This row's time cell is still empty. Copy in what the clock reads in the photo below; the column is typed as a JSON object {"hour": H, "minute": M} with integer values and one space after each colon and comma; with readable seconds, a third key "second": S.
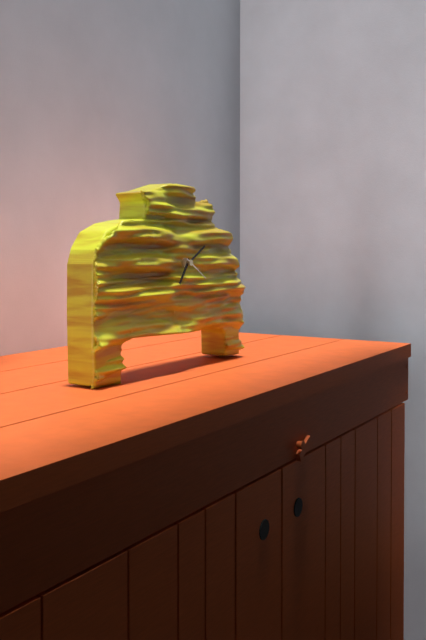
{"hour": 7, "minute": 10}
